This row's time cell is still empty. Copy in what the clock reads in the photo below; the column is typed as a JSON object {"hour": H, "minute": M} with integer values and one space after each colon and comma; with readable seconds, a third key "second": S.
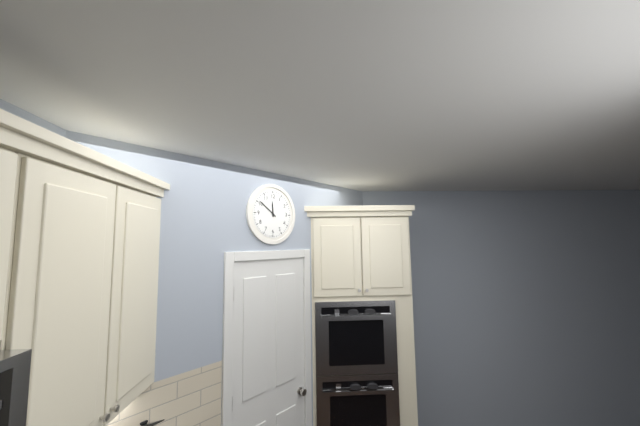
{"hour": 11, "minute": 51}
